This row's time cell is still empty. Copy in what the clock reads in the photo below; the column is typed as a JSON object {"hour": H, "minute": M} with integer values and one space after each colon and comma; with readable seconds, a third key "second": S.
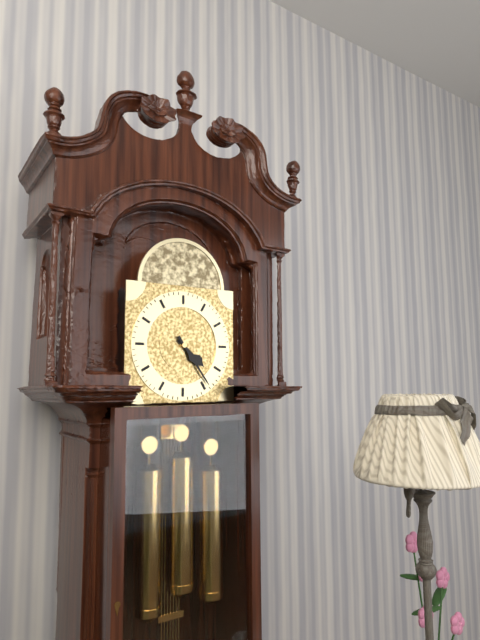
{"hour": 4, "minute": 24}
